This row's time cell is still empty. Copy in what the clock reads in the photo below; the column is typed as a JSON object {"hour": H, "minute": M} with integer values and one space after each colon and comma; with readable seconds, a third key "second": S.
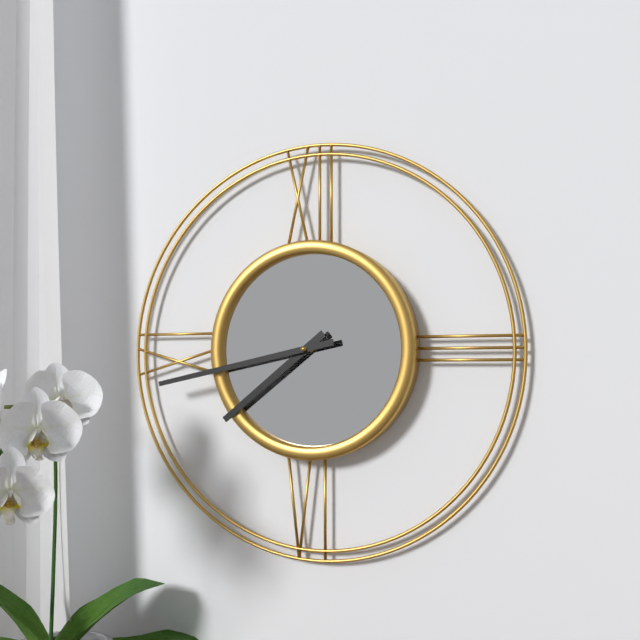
{"hour": 7, "minute": 43}
